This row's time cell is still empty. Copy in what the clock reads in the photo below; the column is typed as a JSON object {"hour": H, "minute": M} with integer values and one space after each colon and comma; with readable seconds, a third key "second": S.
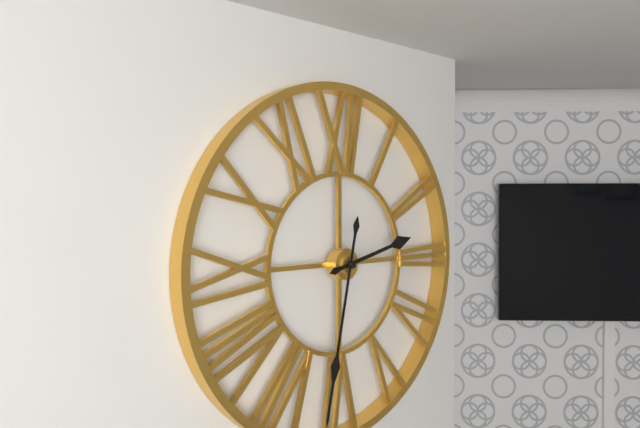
{"hour": 2, "minute": 32}
